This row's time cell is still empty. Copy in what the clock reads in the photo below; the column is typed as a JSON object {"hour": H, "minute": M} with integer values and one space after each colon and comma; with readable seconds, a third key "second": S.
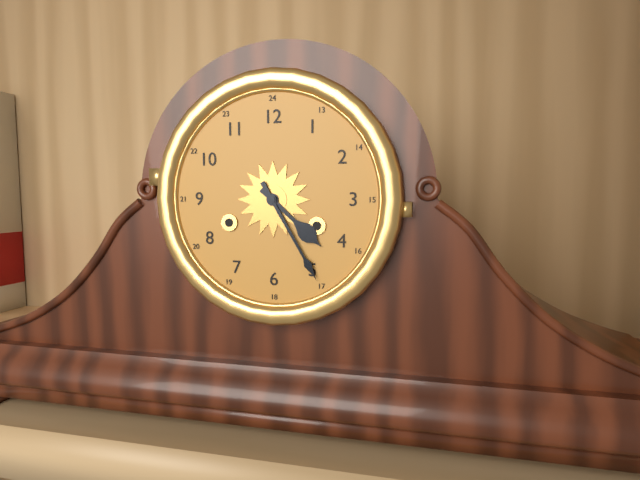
{"hour": 4, "minute": 25}
